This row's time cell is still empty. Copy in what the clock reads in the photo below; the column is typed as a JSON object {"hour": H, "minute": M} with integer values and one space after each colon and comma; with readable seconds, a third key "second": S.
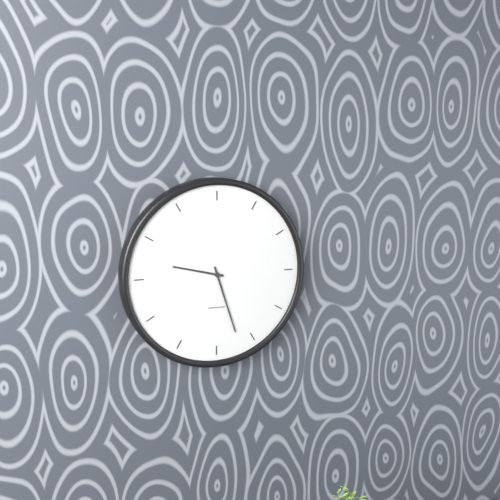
{"hour": 9, "minute": 27}
